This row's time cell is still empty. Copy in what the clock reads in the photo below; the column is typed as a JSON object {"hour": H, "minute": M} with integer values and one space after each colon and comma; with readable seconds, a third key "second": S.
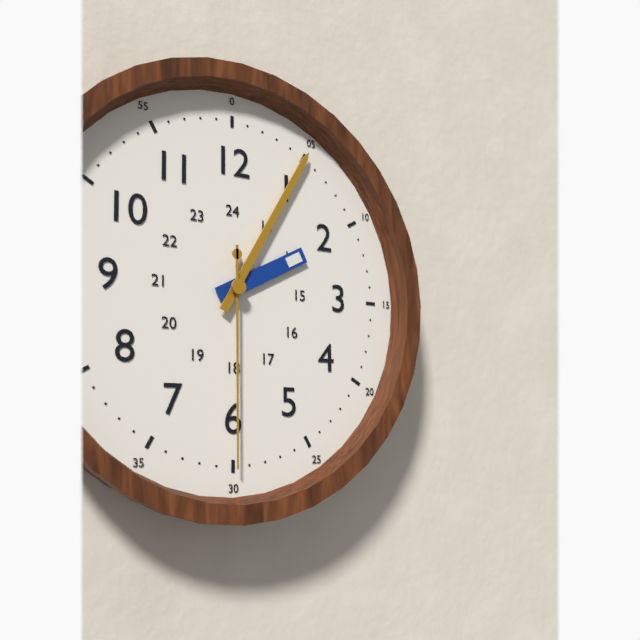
{"hour": 2, "minute": 5, "second": 30}
